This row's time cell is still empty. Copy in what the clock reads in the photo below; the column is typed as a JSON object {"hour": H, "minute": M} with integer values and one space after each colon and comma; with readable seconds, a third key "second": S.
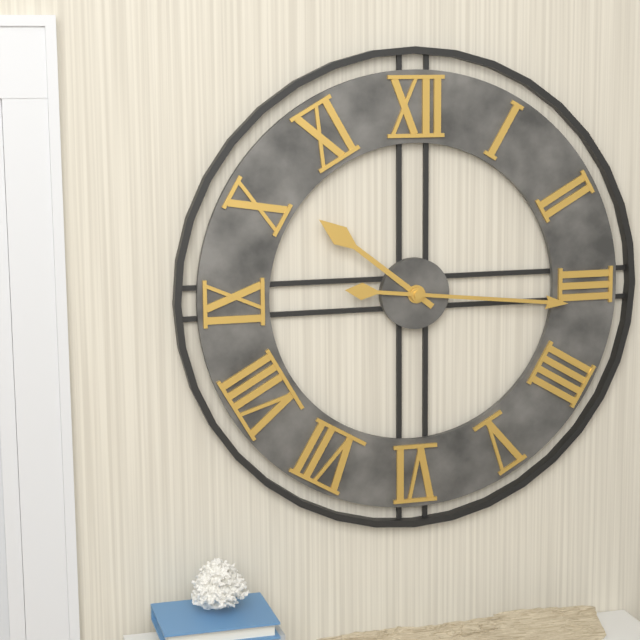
{"hour": 10, "minute": 16}
